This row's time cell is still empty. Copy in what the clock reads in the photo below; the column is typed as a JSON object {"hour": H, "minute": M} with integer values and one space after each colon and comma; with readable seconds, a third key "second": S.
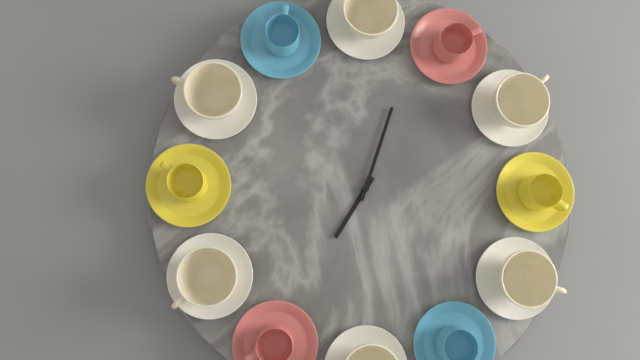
{"hour": 7, "minute": 3}
